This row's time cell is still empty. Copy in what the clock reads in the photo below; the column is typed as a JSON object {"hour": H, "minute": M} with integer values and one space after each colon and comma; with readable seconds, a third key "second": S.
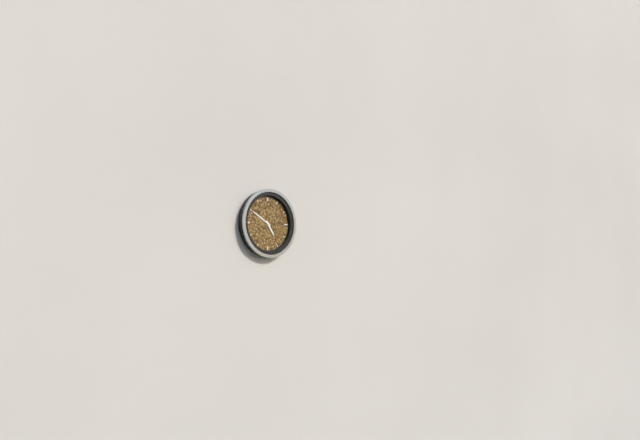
{"hour": 4, "minute": 50}
